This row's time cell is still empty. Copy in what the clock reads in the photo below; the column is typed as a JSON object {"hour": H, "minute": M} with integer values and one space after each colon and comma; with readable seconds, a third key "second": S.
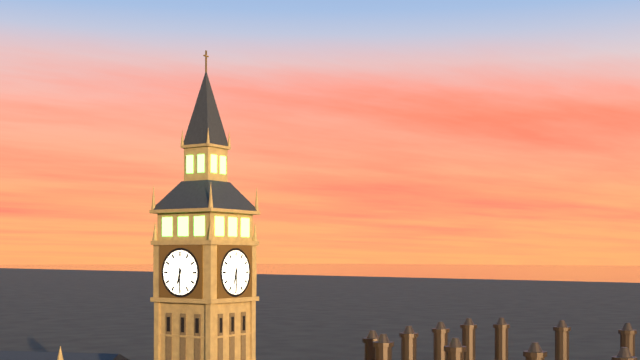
{"hour": 6, "minute": 30}
